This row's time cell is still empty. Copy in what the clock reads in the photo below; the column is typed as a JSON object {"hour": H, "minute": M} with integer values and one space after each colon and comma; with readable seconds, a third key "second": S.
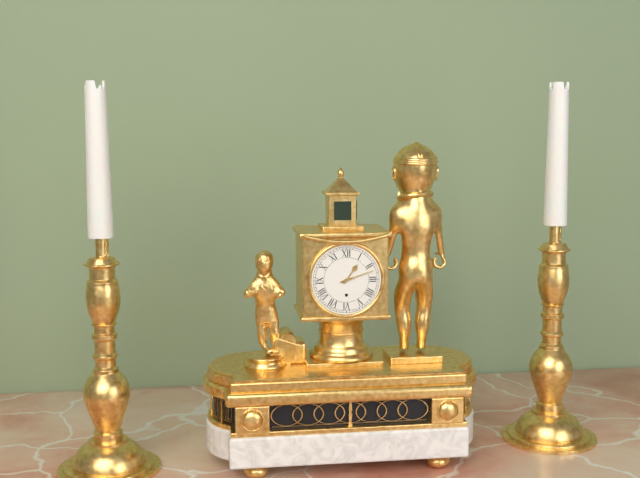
{"hour": 1, "minute": 12}
